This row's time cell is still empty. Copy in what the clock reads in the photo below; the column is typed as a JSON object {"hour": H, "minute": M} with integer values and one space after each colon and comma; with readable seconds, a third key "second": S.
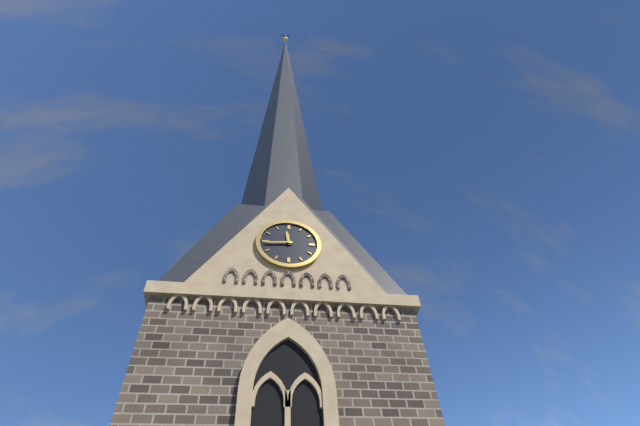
{"hour": 11, "minute": 44}
